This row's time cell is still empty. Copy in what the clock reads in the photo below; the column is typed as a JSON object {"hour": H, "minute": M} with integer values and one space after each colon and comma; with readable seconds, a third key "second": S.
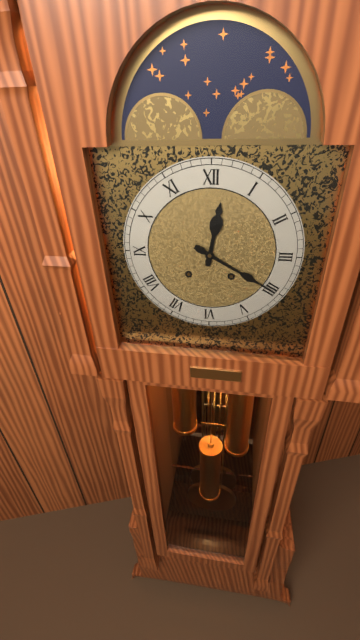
{"hour": 12, "minute": 20}
